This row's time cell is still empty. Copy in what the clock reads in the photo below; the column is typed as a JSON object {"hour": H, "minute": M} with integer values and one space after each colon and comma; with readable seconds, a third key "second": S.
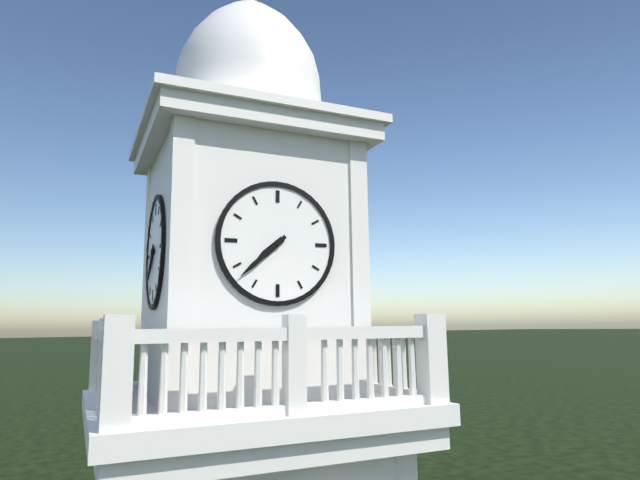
{"hour": 7, "minute": 38}
